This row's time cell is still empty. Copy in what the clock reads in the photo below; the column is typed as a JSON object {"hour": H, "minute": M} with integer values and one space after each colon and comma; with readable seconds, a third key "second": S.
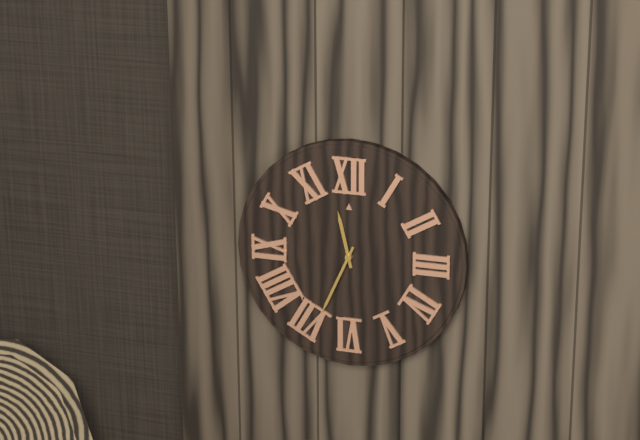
{"hour": 11, "minute": 34}
